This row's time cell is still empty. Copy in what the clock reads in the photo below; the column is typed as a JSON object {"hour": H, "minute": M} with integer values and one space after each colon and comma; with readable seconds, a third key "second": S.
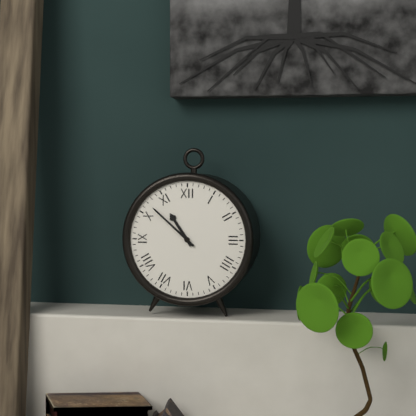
{"hour": 10, "minute": 52}
